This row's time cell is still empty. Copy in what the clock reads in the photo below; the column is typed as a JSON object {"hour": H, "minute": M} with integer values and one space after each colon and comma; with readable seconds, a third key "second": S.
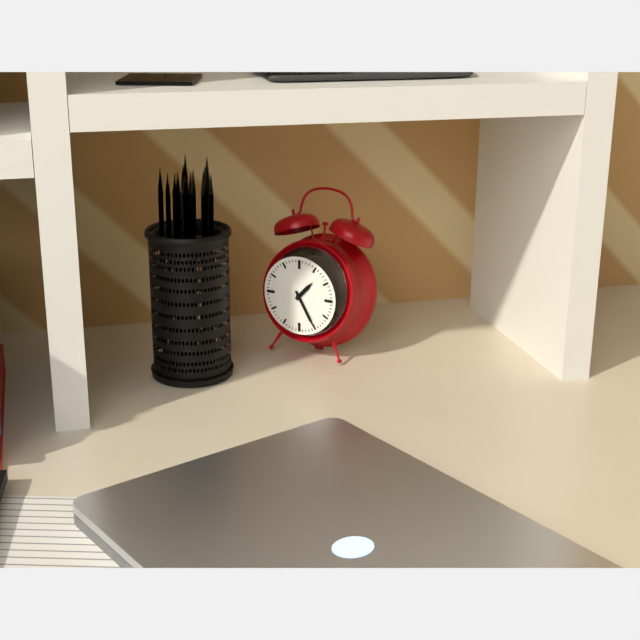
{"hour": 1, "minute": 25}
